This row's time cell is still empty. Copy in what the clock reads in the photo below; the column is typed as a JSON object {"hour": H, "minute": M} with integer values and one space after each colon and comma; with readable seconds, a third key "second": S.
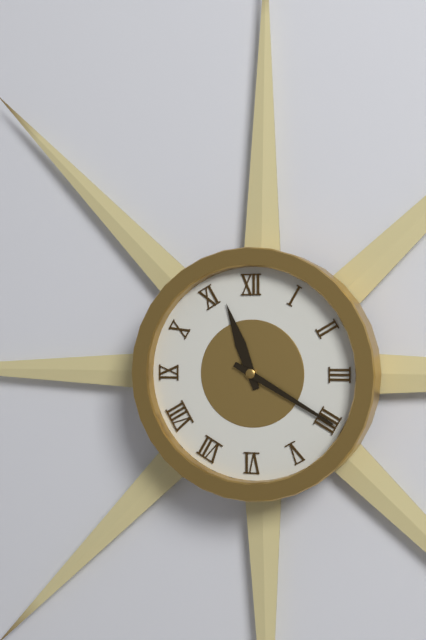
{"hour": 11, "minute": 20}
